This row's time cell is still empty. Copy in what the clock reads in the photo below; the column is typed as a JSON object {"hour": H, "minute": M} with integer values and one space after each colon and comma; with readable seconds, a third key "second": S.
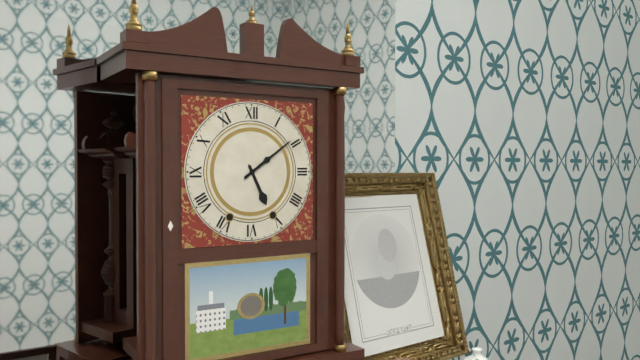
{"hour": 5, "minute": 9}
